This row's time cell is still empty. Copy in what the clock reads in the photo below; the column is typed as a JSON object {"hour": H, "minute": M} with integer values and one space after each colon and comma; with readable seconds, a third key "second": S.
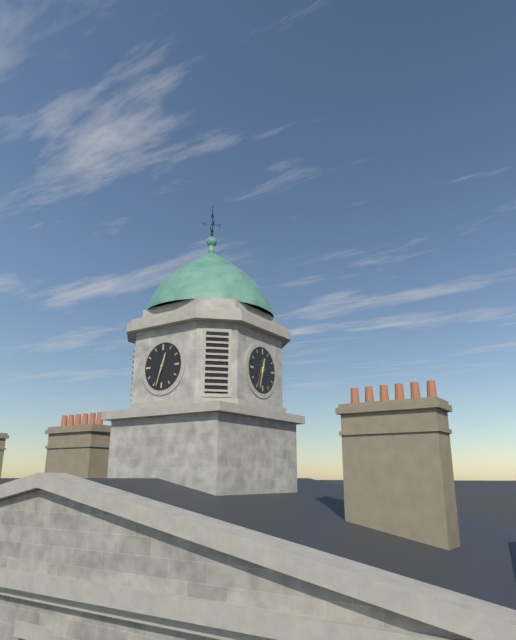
{"hour": 12, "minute": 33}
